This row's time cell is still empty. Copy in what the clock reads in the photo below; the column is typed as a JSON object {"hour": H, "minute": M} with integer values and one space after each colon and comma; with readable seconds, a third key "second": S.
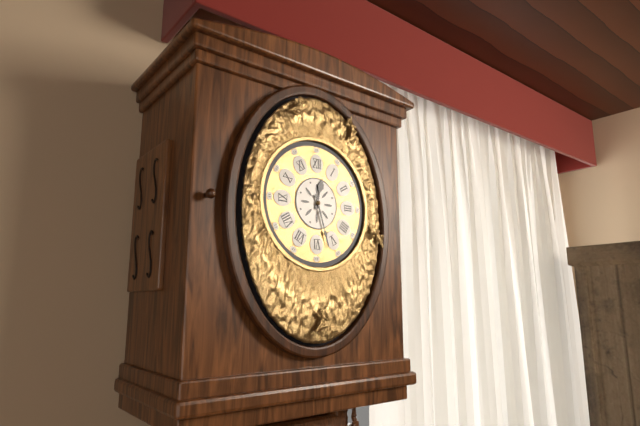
{"hour": 12, "minute": 27}
